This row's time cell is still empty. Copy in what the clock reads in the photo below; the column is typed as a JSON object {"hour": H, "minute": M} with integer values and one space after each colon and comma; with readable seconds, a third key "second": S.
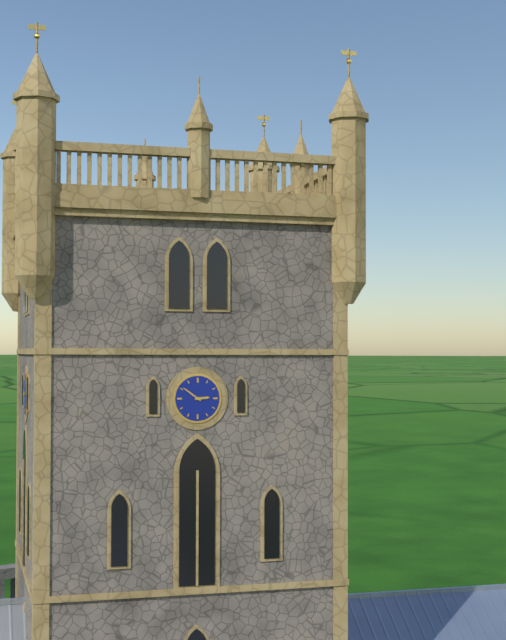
{"hour": 2, "minute": 51}
